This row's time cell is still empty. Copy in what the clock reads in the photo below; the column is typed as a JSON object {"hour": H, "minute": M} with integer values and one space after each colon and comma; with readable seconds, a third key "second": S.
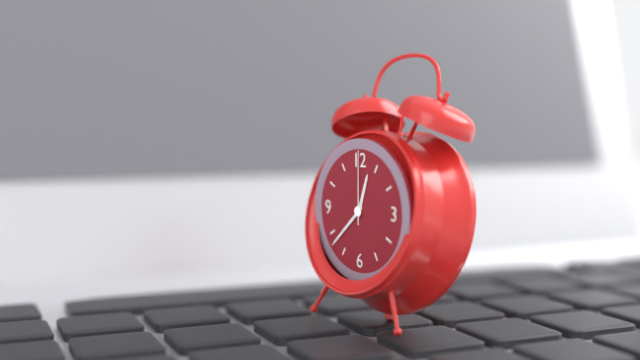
{"hour": 12, "minute": 38, "second": 0}
